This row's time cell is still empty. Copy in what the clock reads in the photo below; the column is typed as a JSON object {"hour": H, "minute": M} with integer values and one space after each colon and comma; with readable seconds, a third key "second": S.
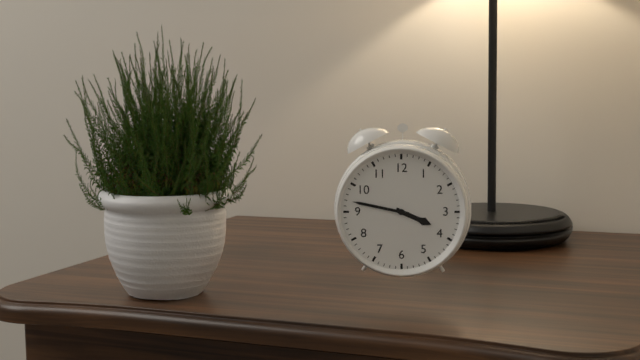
{"hour": 3, "minute": 47}
